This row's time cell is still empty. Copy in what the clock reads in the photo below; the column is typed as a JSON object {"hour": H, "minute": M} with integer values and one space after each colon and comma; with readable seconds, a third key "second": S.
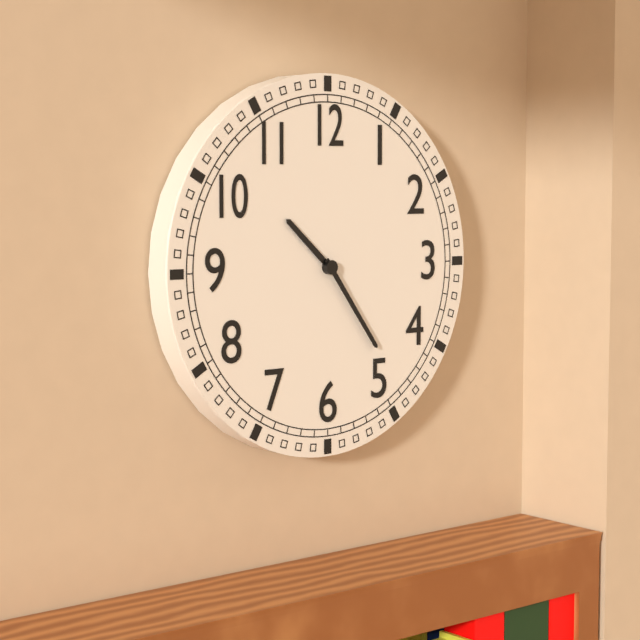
{"hour": 10, "minute": 24}
